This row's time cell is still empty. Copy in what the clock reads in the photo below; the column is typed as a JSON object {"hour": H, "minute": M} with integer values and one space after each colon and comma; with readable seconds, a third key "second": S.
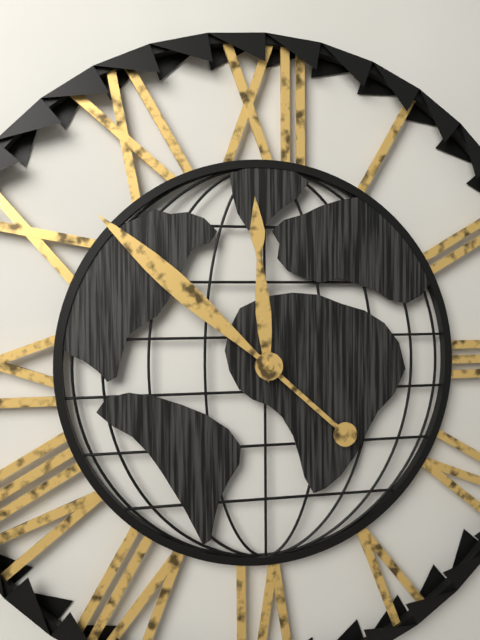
{"hour": 11, "minute": 52}
